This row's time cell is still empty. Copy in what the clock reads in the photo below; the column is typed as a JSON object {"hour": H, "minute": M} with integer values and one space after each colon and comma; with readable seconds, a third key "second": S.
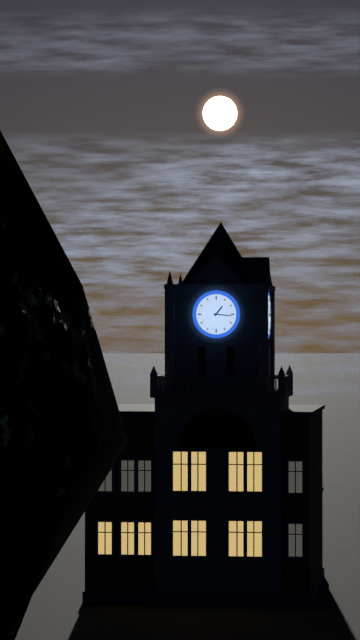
{"hour": 1, "minute": 16}
